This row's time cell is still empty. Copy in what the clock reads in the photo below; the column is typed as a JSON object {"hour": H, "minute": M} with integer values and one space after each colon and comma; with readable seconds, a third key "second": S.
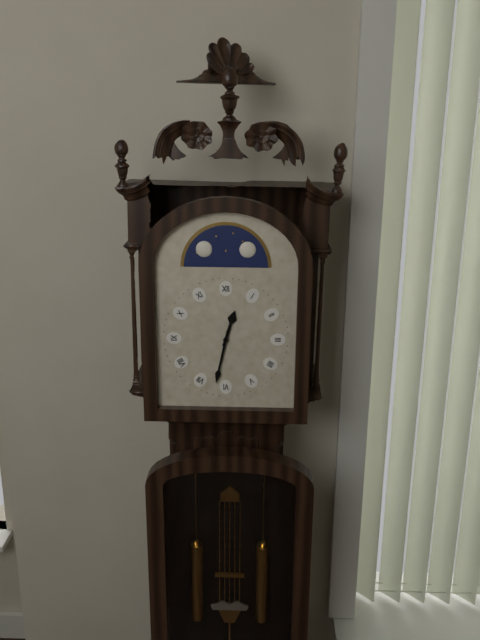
{"hour": 12, "minute": 32}
